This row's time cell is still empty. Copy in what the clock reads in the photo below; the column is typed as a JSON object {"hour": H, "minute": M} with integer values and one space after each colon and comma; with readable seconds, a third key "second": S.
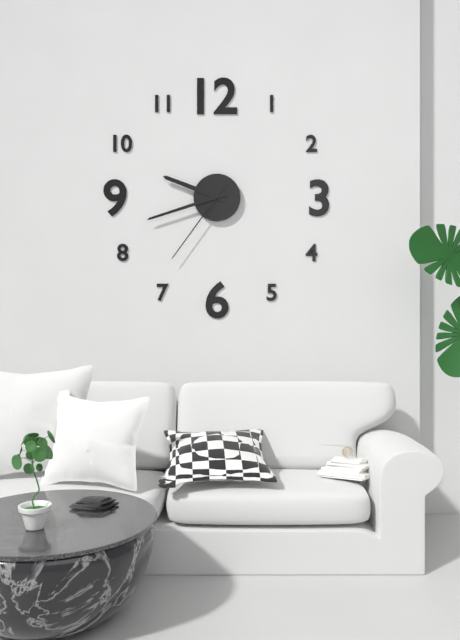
{"hour": 9, "minute": 42, "second": 36}
